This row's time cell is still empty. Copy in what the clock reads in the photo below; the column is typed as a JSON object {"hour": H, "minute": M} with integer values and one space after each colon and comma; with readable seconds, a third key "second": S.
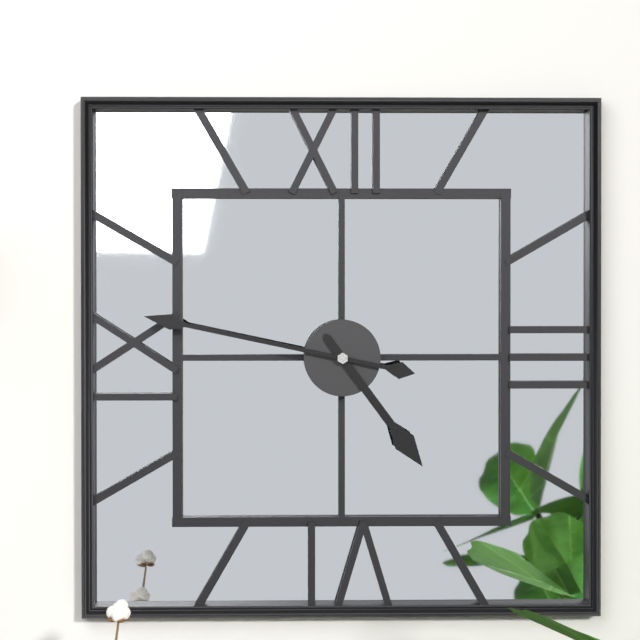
{"hour": 4, "minute": 47}
